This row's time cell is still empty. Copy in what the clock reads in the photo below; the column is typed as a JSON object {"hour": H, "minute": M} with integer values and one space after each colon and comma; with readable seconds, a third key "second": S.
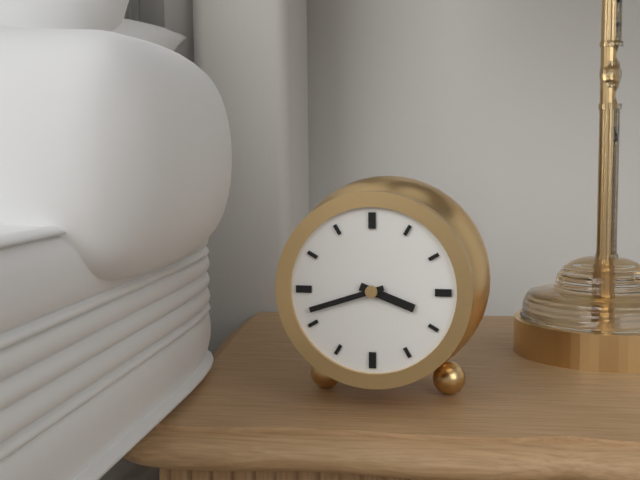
{"hour": 3, "minute": 42}
